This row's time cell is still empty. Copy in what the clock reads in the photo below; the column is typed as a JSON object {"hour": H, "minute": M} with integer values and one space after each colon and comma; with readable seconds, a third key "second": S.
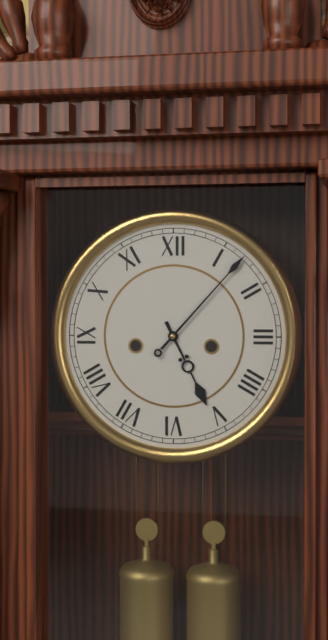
{"hour": 5, "minute": 7}
